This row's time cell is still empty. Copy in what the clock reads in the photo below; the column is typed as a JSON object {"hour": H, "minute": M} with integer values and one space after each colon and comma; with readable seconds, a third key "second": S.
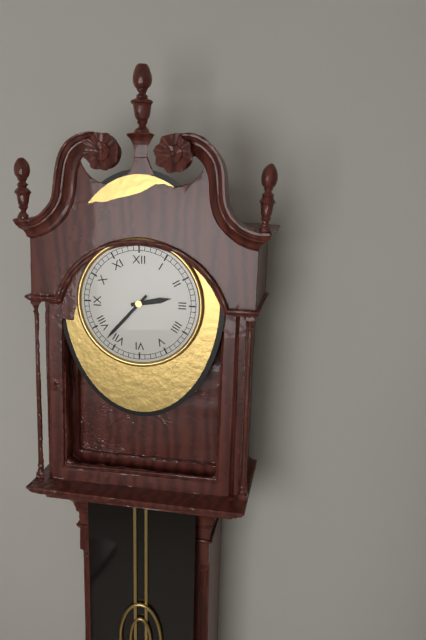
{"hour": 2, "minute": 37}
